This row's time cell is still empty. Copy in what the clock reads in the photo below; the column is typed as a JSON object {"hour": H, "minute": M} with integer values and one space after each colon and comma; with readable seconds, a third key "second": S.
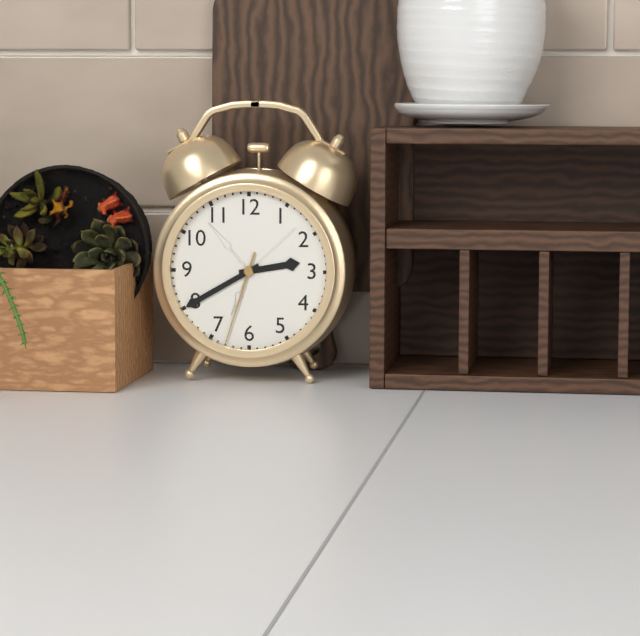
{"hour": 2, "minute": 40, "second": 33}
